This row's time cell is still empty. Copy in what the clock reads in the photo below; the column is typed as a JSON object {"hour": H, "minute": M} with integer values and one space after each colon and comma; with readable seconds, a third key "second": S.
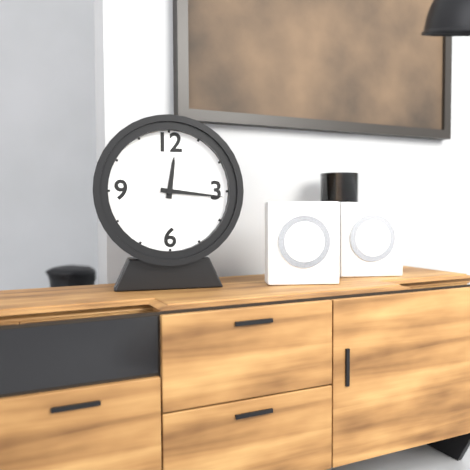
{"hour": 12, "minute": 16}
